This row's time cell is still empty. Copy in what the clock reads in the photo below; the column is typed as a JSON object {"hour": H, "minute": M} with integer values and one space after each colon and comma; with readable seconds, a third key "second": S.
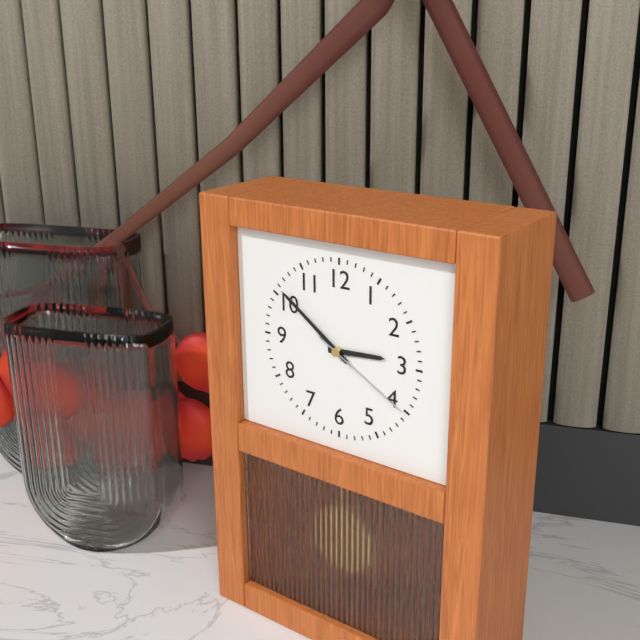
{"hour": 2, "minute": 51, "second": 20}
